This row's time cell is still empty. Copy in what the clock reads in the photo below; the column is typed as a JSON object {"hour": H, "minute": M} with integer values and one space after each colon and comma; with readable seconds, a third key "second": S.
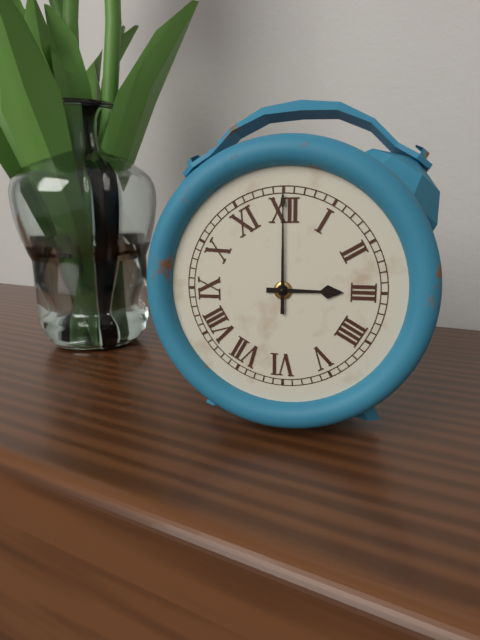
{"hour": 3, "minute": 0}
